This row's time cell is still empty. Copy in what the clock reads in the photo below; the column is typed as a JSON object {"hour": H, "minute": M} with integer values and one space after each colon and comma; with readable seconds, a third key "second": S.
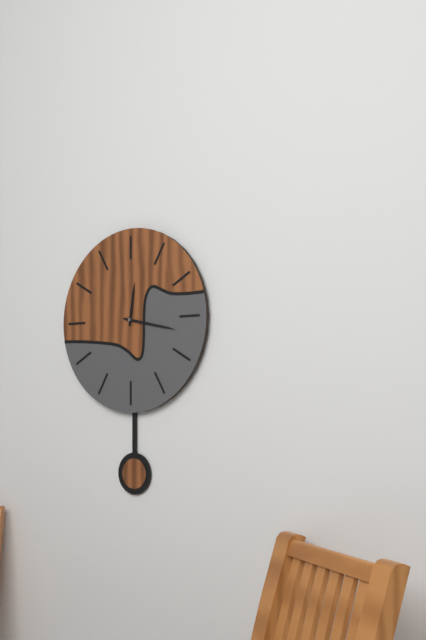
{"hour": 12, "minute": 17}
